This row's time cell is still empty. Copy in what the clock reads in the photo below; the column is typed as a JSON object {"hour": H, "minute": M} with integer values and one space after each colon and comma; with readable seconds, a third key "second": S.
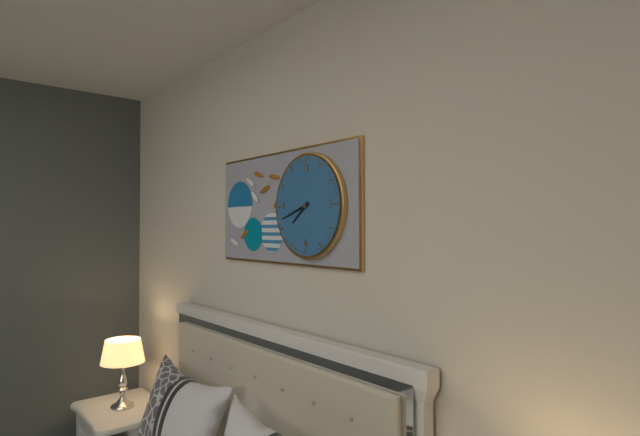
{"hour": 7, "minute": 42}
